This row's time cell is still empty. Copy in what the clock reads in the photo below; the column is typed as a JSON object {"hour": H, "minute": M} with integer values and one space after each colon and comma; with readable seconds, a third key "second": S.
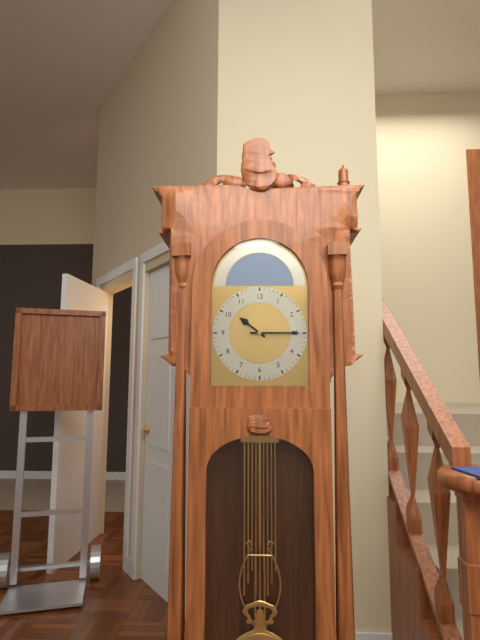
{"hour": 10, "minute": 15}
